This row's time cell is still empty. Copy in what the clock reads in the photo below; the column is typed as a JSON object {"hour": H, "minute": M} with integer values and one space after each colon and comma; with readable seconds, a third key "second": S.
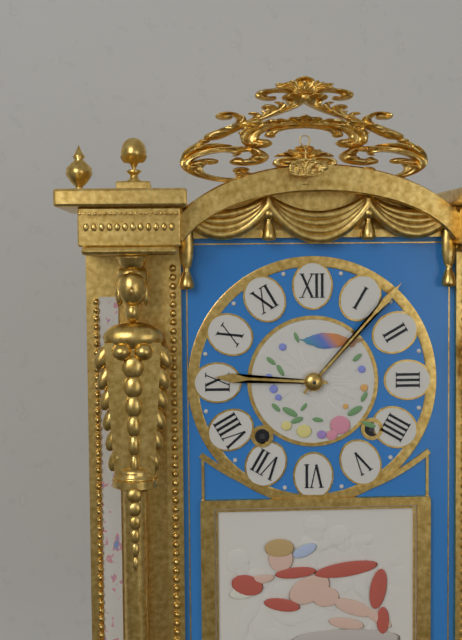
{"hour": 9, "minute": 7}
